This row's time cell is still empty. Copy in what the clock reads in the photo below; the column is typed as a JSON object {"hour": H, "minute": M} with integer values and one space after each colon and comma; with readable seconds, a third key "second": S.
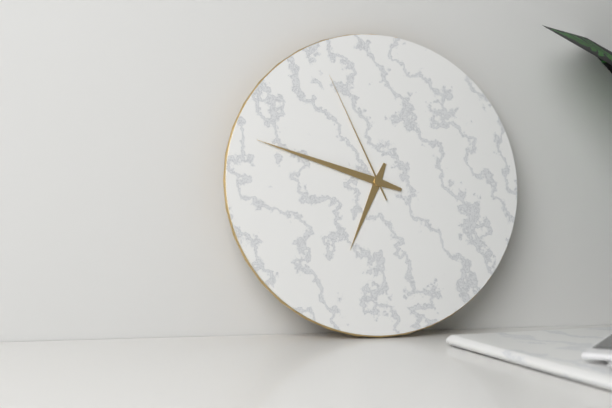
{"hour": 6, "minute": 48, "second": 56}
